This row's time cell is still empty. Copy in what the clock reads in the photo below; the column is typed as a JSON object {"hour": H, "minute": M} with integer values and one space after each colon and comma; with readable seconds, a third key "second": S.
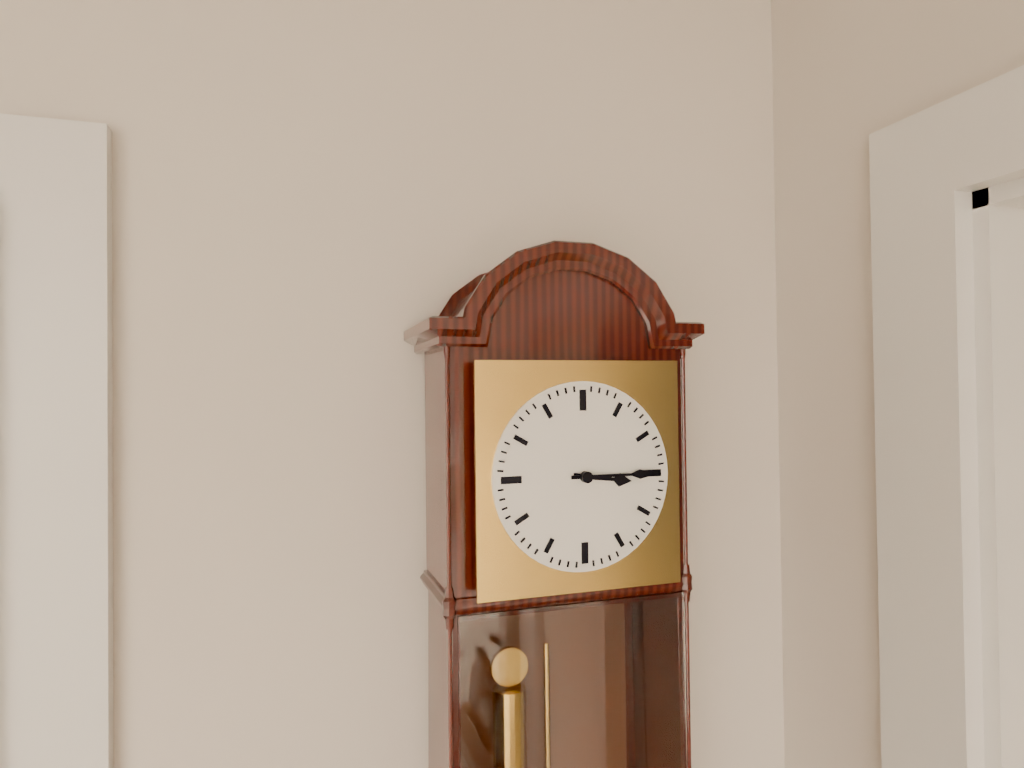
{"hour": 3, "minute": 15}
